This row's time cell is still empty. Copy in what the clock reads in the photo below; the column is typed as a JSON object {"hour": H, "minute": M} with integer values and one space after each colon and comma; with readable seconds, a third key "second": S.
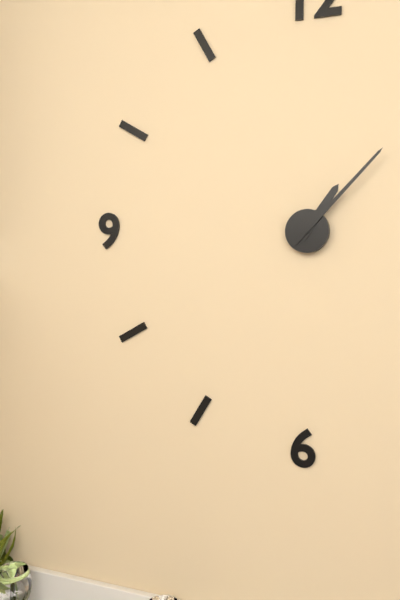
{"hour": 1, "minute": 7}
